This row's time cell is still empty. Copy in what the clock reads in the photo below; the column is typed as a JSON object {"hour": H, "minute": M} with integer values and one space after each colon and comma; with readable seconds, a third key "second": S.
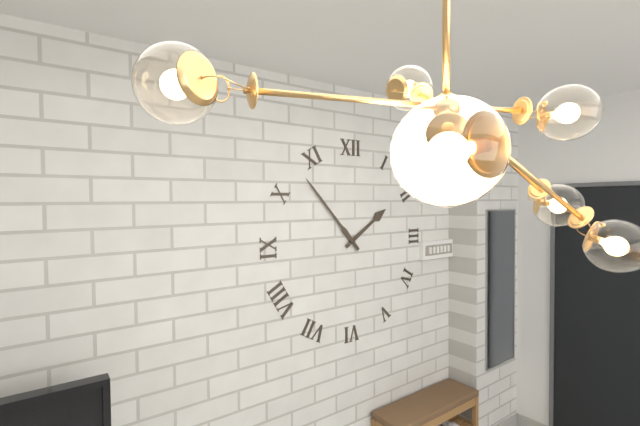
{"hour": 1, "minute": 53}
